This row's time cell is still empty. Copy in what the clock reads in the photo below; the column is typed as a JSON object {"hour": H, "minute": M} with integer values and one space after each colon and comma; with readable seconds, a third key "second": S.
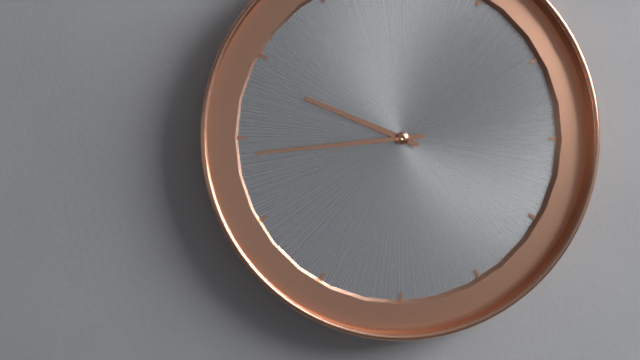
{"hour": 9, "minute": 44}
